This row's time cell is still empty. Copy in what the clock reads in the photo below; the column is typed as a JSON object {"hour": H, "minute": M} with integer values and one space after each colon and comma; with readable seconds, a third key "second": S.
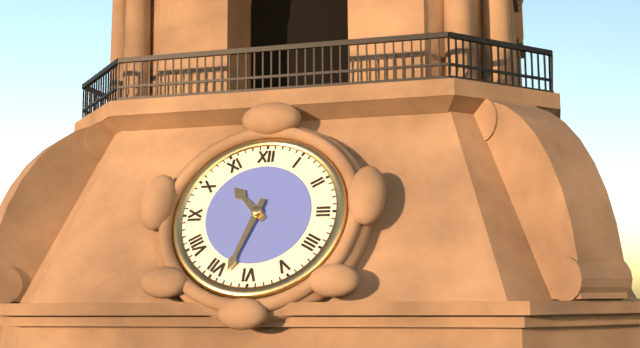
{"hour": 10, "minute": 33}
